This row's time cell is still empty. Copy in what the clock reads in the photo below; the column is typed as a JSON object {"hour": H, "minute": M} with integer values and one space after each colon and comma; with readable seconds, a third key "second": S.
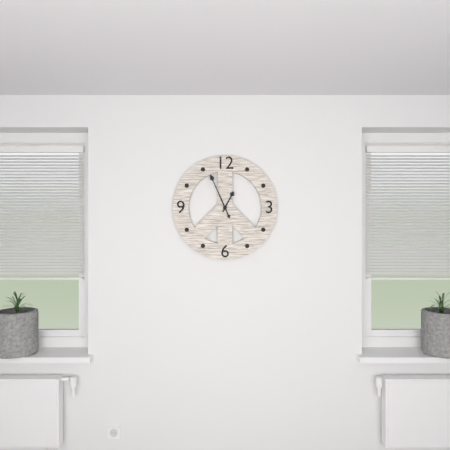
{"hour": 12, "minute": 56}
